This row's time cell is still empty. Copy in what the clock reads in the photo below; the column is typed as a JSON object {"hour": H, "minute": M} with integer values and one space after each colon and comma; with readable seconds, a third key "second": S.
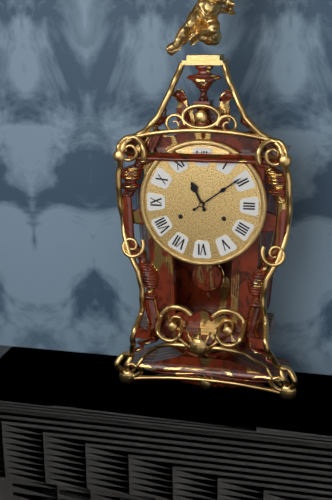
{"hour": 11, "minute": 9}
